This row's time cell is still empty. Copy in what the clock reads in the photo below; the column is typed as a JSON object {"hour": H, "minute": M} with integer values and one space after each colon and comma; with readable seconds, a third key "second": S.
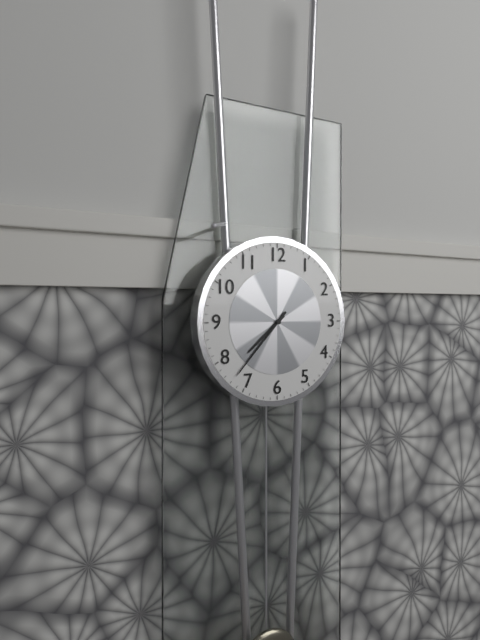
{"hour": 7, "minute": 37}
